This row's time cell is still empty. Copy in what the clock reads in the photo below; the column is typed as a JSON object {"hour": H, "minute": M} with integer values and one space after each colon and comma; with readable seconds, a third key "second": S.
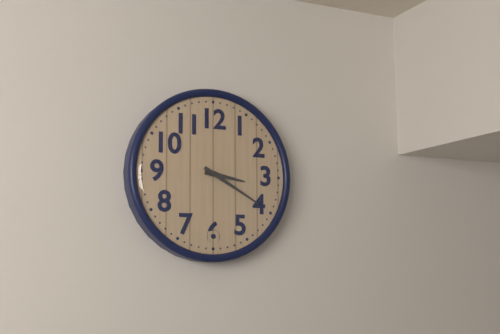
{"hour": 3, "minute": 20}
